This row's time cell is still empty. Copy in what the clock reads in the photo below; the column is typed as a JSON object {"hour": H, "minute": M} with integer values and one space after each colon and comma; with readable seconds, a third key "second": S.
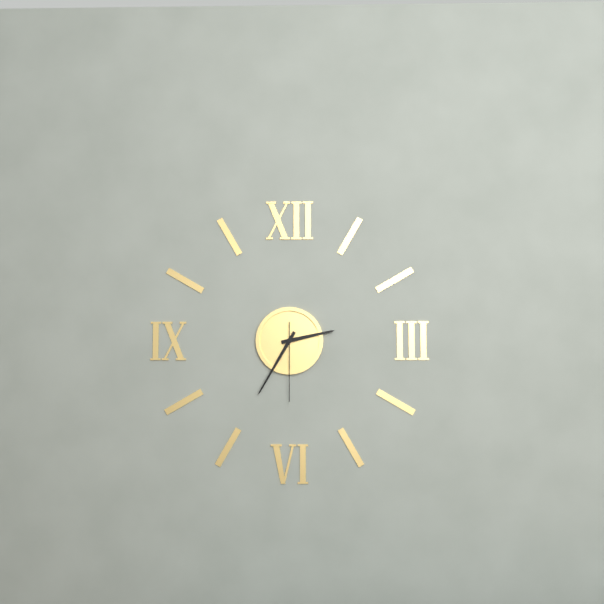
{"hour": 2, "minute": 35, "second": 30}
